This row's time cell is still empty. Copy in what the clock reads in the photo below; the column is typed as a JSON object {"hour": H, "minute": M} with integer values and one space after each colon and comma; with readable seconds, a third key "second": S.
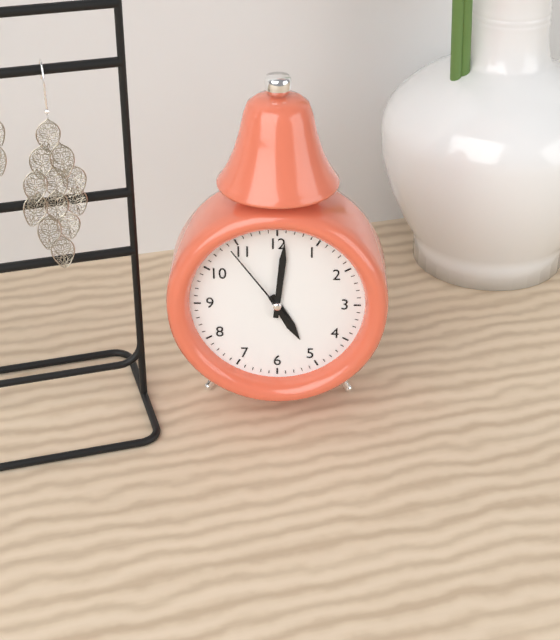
{"hour": 5, "minute": 1, "second": 54}
